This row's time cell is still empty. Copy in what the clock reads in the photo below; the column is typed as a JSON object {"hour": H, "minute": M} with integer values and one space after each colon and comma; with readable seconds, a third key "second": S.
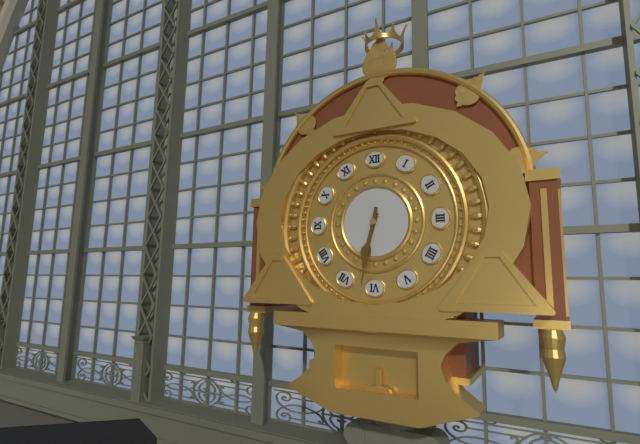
{"hour": 6, "minute": 32}
